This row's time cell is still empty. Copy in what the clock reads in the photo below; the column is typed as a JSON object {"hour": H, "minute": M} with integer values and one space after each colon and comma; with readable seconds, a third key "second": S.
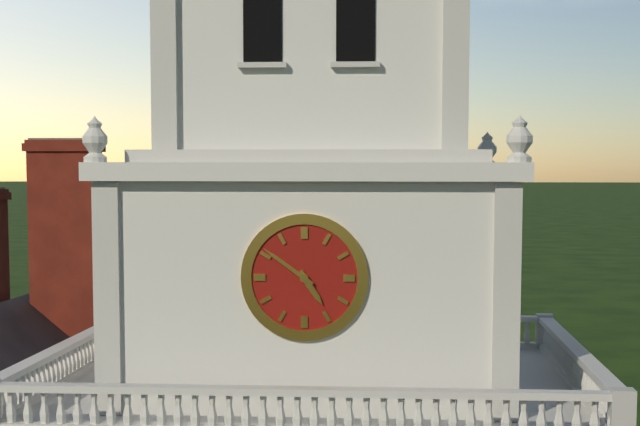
{"hour": 4, "minute": 51}
